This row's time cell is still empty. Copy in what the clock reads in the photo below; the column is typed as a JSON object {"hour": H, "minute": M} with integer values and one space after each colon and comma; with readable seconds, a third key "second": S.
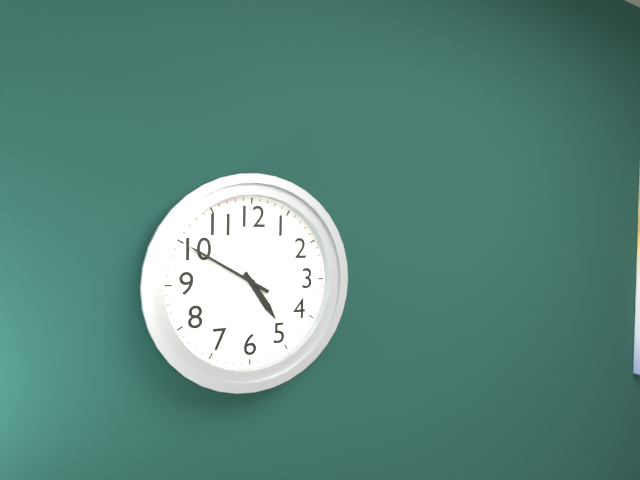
{"hour": 4, "minute": 50}
